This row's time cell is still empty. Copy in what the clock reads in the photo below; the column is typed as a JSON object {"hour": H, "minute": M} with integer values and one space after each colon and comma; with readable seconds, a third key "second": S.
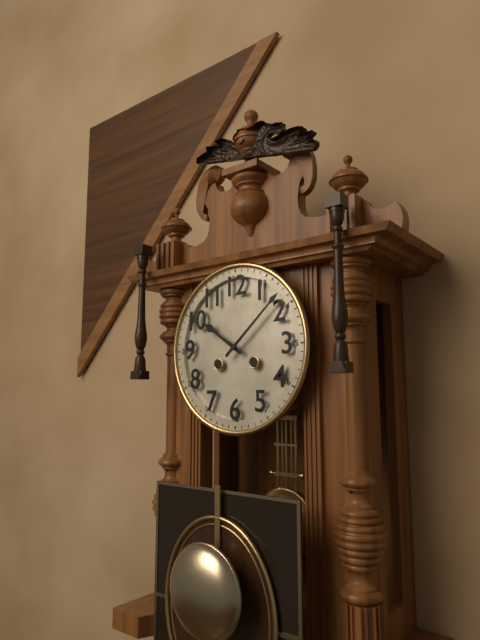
{"hour": 10, "minute": 8}
